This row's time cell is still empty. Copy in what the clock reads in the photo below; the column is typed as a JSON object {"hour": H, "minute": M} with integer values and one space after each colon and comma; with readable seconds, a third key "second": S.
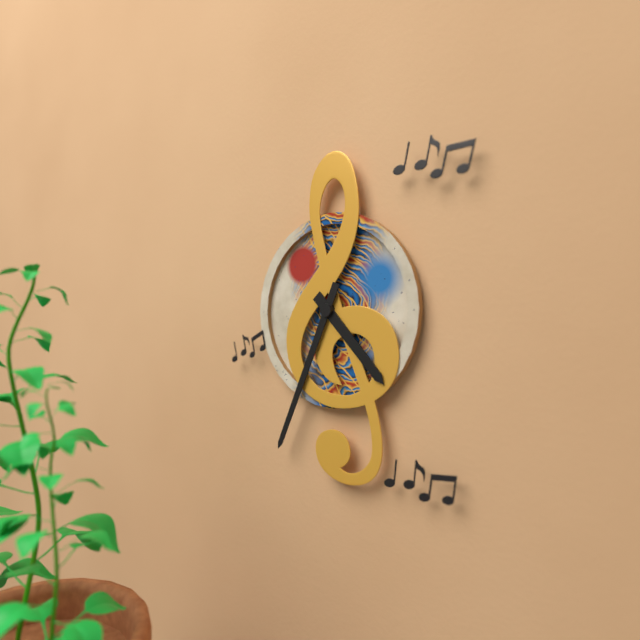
{"hour": 4, "minute": 34}
